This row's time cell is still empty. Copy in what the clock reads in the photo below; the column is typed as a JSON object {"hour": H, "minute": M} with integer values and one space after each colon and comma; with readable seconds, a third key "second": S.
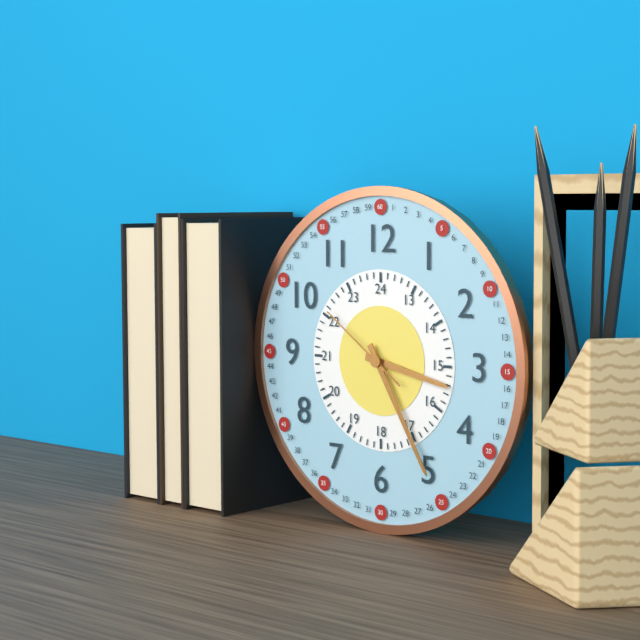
{"hour": 3, "minute": 25, "second": 51}
